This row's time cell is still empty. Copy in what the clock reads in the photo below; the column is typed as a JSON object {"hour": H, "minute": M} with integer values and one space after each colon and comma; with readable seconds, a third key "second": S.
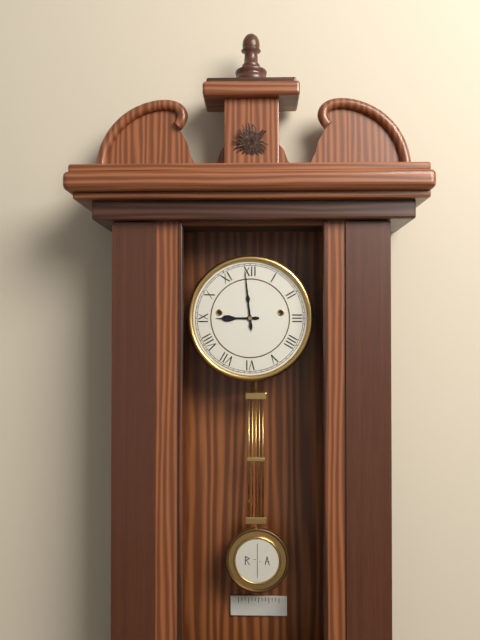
{"hour": 8, "minute": 59}
